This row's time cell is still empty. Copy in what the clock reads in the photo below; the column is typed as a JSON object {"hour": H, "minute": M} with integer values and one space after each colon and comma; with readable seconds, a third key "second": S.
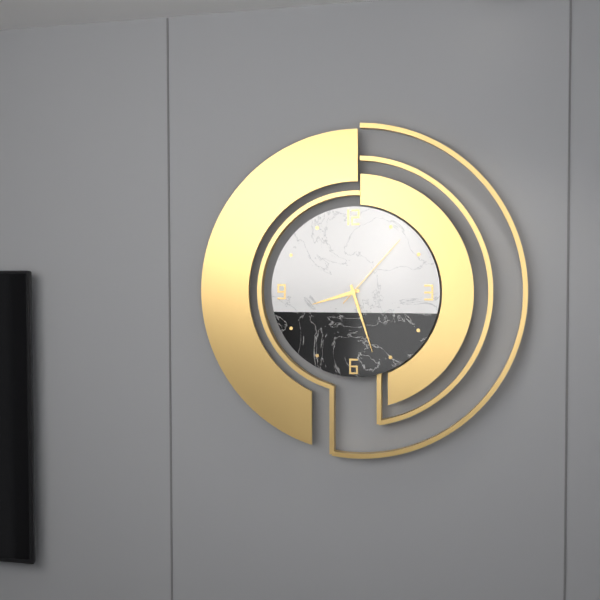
{"hour": 8, "minute": 27, "second": 7}
